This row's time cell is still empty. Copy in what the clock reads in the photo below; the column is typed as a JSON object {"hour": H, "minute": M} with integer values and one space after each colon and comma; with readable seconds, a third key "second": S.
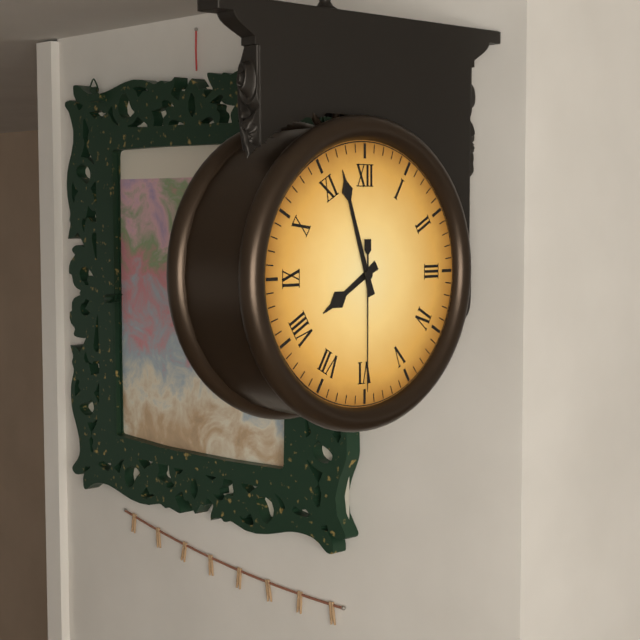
{"hour": 7, "minute": 57, "second": 30}
